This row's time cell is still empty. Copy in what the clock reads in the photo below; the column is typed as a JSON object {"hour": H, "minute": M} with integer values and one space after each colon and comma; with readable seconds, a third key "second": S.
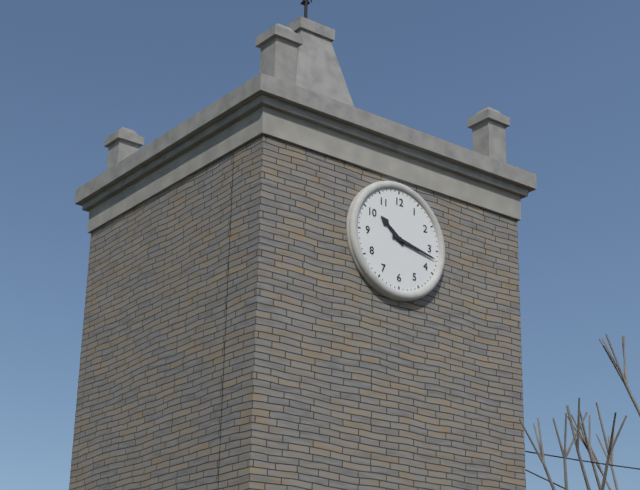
{"hour": 10, "minute": 17}
